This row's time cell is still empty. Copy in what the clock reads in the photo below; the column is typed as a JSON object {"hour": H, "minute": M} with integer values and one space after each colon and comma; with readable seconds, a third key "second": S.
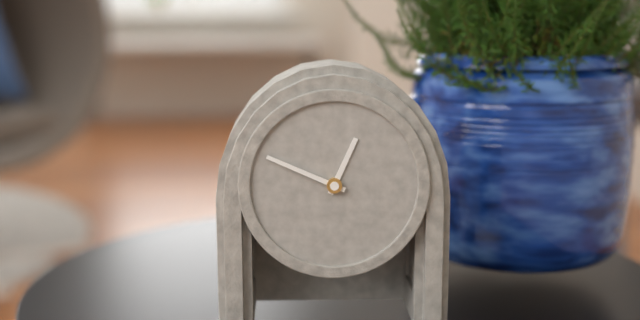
{"hour": 12, "minute": 49}
